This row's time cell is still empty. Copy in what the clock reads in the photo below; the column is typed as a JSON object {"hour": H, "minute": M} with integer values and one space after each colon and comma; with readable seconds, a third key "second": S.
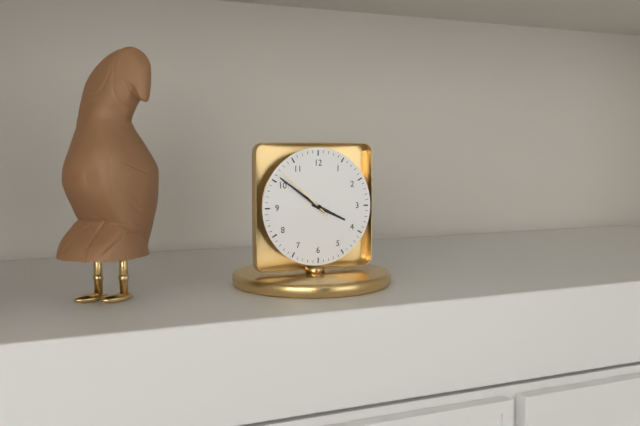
{"hour": 3, "minute": 51, "second": 52}
